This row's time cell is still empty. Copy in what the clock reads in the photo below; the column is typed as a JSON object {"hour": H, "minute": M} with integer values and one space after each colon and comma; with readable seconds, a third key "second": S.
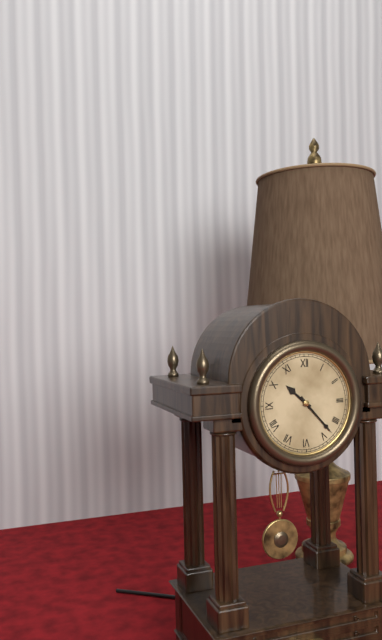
{"hour": 10, "minute": 23}
